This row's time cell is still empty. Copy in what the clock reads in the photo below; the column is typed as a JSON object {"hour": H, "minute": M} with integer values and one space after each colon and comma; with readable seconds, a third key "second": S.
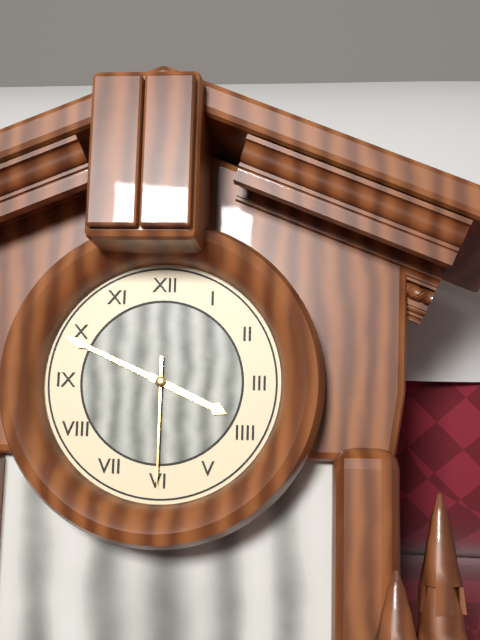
{"hour": 3, "minute": 49, "second": 30}
